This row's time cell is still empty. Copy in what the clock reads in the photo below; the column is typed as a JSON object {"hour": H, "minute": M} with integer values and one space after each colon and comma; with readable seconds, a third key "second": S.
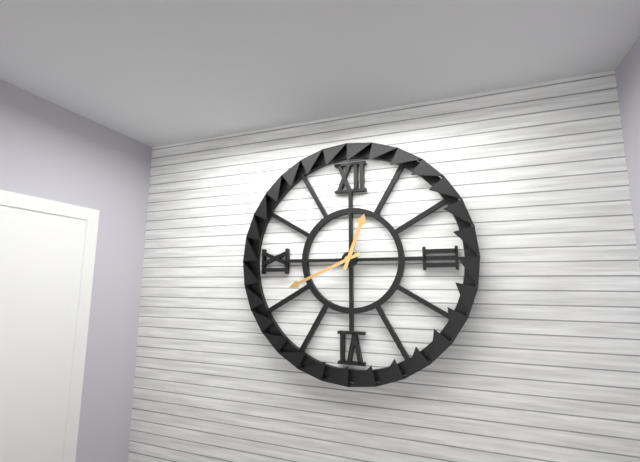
{"hour": 12, "minute": 41}
